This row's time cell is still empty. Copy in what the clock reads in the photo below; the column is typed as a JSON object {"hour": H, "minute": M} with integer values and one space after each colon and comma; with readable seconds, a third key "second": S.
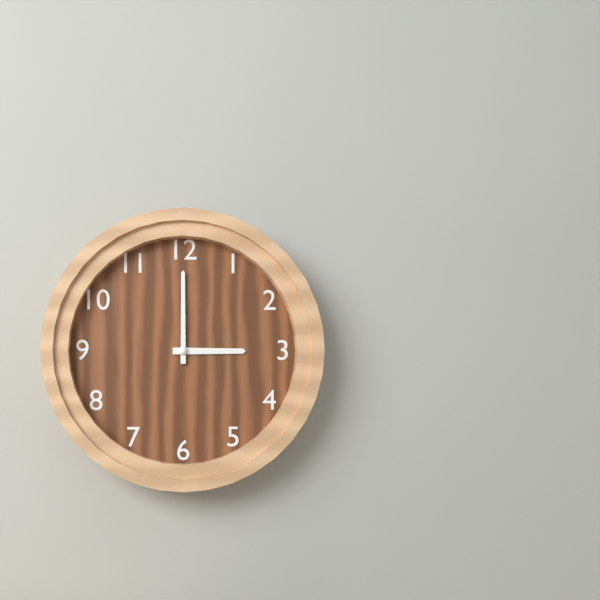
{"hour": 3, "minute": 0}
